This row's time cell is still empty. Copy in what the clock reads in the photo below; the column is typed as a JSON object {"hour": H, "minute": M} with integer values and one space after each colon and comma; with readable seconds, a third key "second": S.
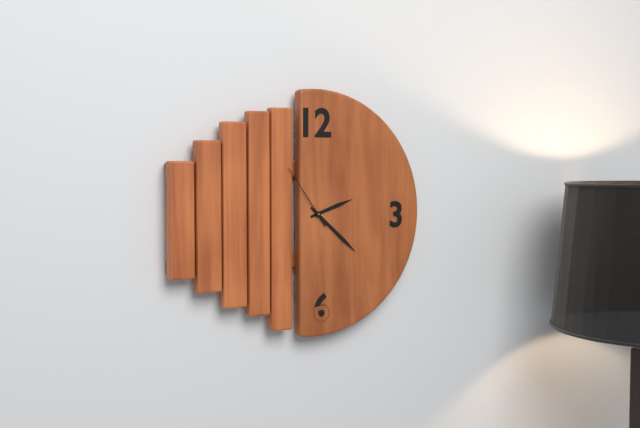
{"hour": 2, "minute": 22, "second": 54}
